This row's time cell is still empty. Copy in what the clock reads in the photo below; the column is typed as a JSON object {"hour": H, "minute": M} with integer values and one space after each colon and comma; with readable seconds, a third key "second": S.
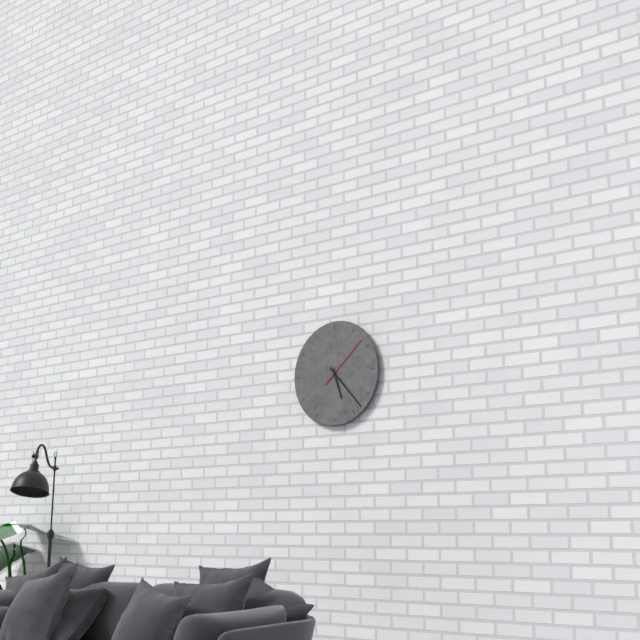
{"hour": 5, "minute": 23, "second": 8}
